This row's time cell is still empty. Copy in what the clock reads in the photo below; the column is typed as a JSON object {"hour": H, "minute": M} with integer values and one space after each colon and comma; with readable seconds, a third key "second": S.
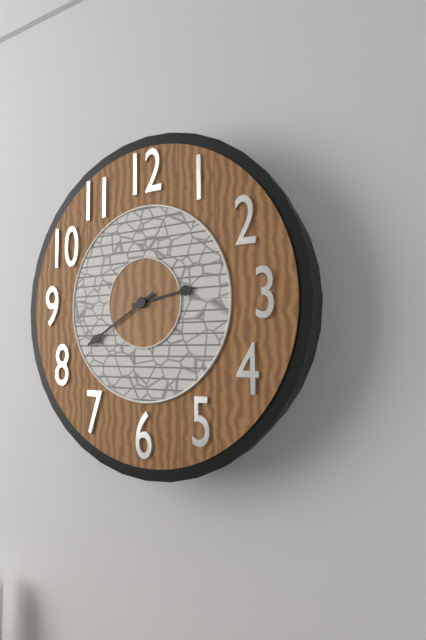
{"hour": 2, "minute": 40}
